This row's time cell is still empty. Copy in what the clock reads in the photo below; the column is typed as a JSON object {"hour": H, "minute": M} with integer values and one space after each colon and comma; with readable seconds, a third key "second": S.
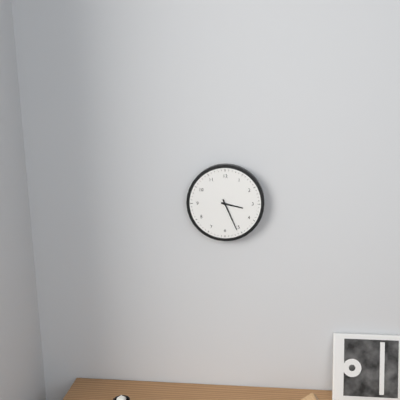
{"hour": 3, "minute": 26}
